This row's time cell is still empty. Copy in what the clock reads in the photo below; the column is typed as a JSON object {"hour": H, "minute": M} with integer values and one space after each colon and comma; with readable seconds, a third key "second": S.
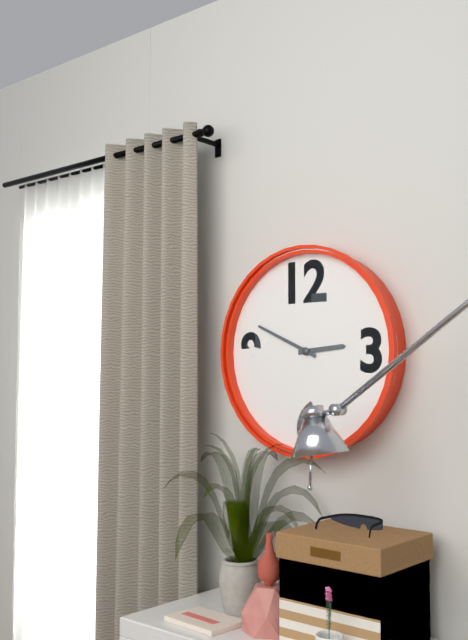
{"hour": 2, "minute": 49}
